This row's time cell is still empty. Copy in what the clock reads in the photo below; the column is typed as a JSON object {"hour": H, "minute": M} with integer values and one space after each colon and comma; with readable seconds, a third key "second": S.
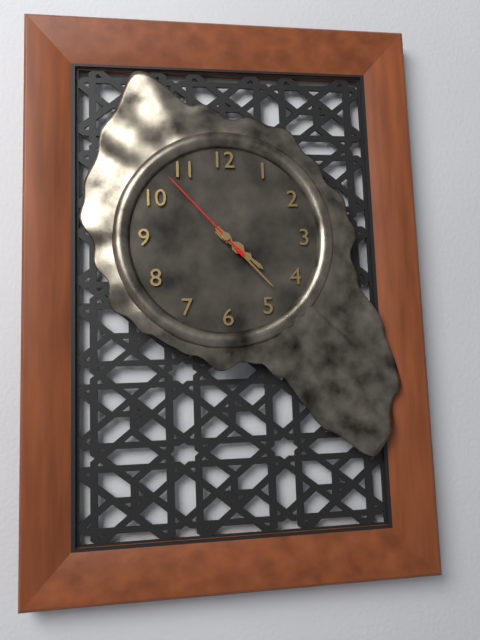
{"hour": 4, "minute": 23, "second": 53}
